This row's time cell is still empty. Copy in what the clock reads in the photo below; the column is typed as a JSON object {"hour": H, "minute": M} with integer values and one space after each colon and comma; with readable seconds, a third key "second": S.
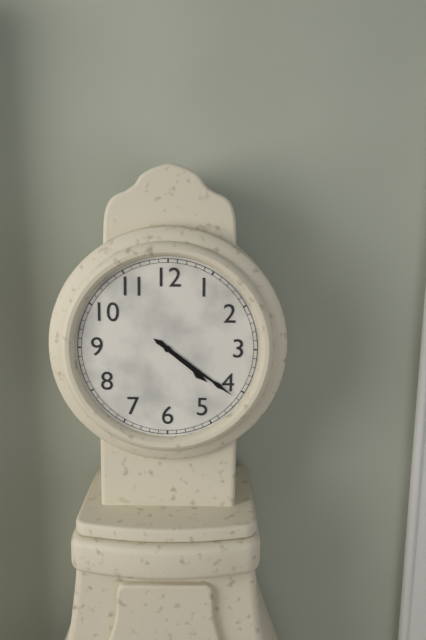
{"hour": 4, "minute": 21}
